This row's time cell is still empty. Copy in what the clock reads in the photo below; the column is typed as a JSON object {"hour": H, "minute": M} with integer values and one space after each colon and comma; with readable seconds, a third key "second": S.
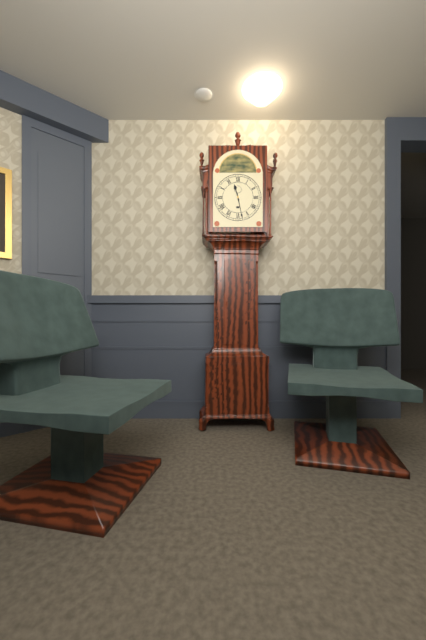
{"hour": 11, "minute": 28}
